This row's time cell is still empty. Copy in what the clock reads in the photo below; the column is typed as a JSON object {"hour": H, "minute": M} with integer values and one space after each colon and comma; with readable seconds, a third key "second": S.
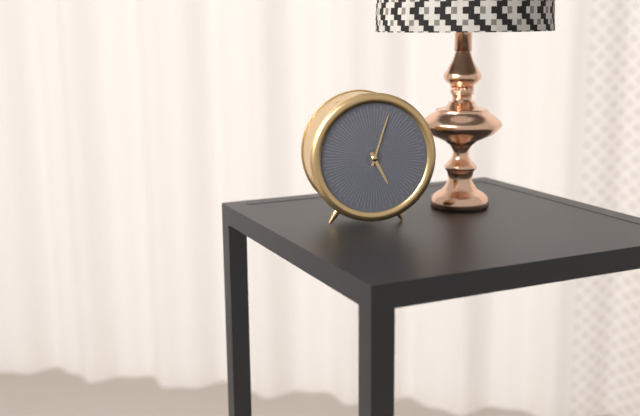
{"hour": 5, "minute": 3}
